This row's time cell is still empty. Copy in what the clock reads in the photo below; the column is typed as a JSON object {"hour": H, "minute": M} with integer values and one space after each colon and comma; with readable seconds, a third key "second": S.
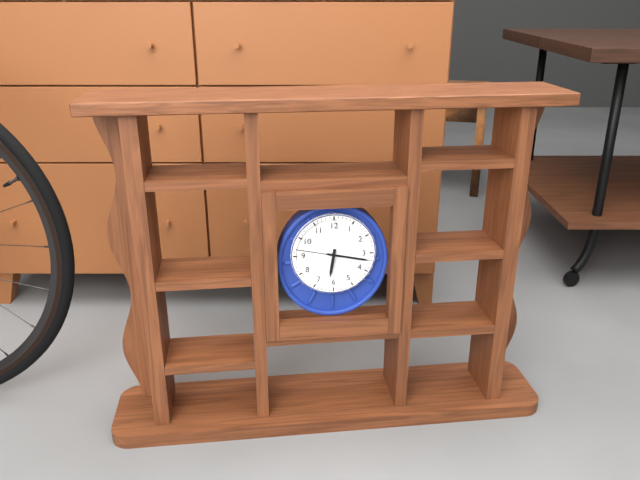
{"hour": 6, "minute": 17}
